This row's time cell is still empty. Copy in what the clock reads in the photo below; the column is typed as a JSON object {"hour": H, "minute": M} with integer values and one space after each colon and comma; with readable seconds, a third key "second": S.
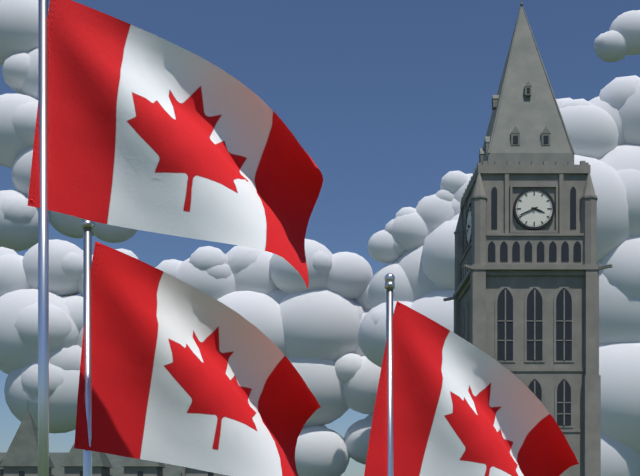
{"hour": 3, "minute": 41}
